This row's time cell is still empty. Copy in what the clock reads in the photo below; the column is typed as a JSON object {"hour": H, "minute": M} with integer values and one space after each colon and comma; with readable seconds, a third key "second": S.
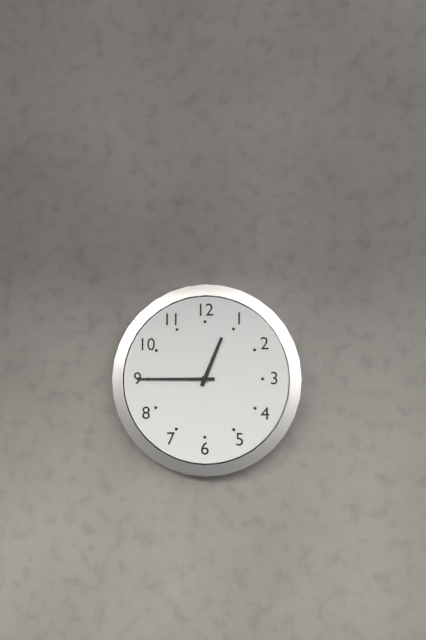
{"hour": 12, "minute": 45}
